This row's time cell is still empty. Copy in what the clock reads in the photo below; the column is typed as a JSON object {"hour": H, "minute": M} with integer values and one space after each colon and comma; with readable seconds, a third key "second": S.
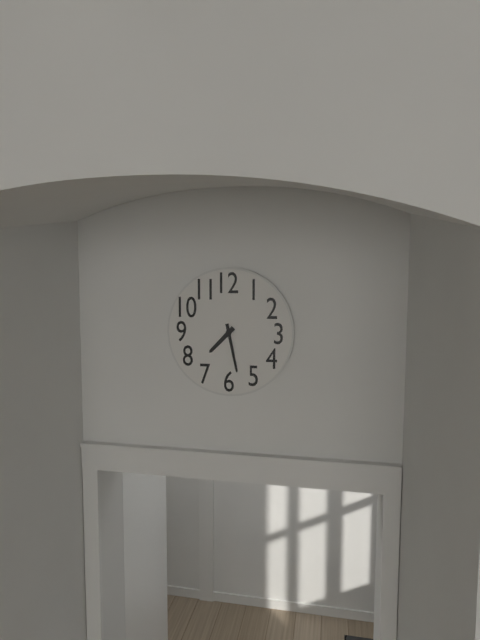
{"hour": 7, "minute": 28}
